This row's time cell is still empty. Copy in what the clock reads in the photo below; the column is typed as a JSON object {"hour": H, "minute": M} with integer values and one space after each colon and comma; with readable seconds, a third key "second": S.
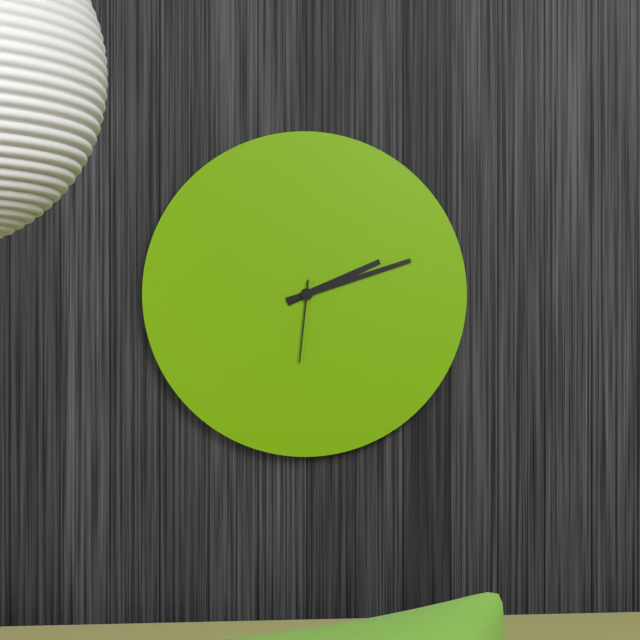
{"hour": 2, "minute": 12, "second": 31}
